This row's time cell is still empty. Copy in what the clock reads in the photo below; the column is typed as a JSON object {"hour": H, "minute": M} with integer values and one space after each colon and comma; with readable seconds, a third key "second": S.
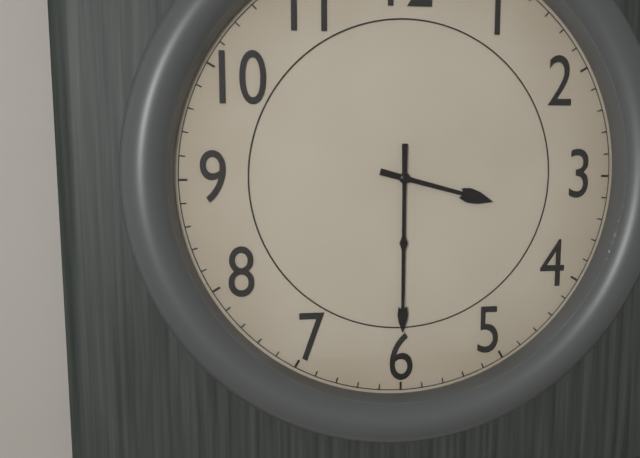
{"hour": 3, "minute": 30}
